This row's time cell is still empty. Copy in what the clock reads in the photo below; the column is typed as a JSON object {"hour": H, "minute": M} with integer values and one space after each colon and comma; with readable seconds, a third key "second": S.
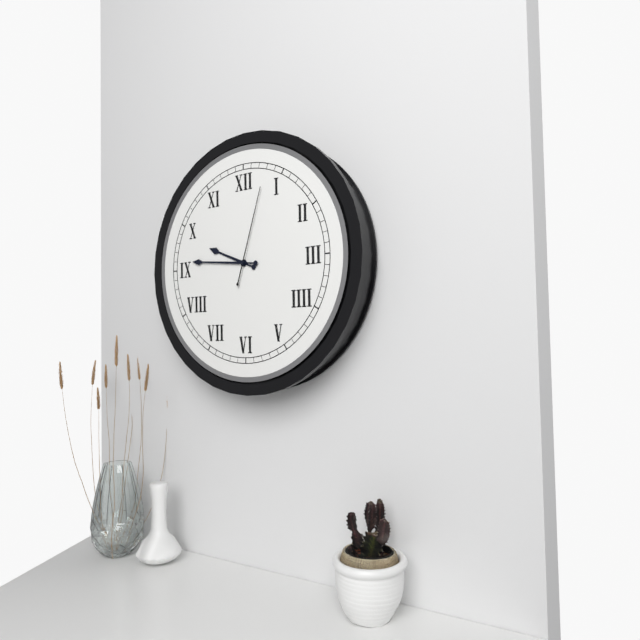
{"hour": 9, "minute": 46, "second": 3}
